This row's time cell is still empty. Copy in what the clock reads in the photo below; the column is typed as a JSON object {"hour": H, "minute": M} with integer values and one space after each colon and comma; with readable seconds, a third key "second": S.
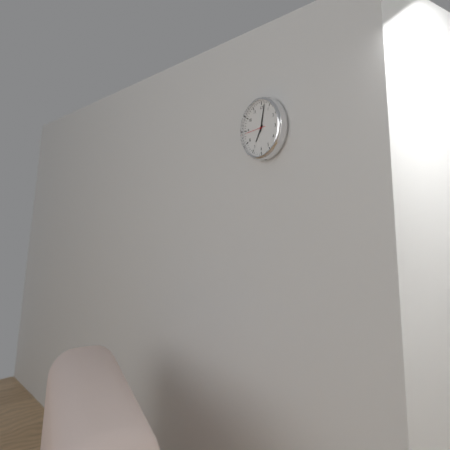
{"hour": 7, "minute": 2}
